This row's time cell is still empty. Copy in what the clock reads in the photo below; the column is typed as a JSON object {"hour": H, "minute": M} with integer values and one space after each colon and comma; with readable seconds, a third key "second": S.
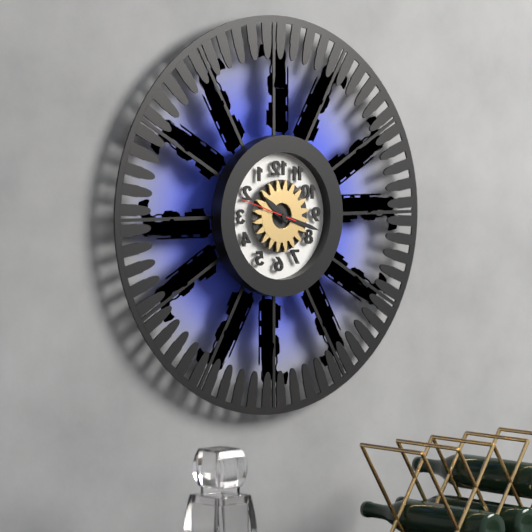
{"hour": 10, "minute": 18, "second": 48}
